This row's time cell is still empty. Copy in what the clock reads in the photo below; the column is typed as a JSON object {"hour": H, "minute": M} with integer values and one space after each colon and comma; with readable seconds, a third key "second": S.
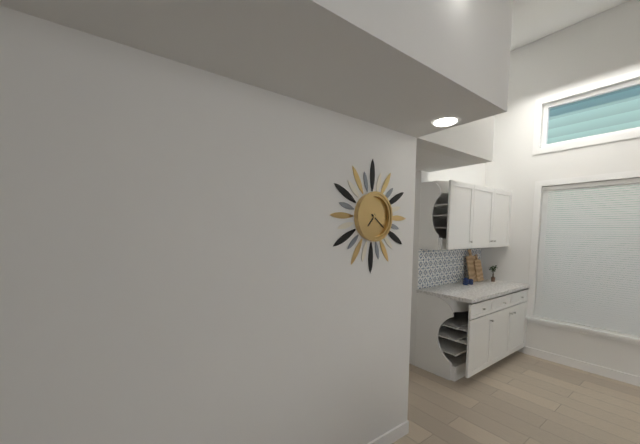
{"hour": 7, "minute": 21}
